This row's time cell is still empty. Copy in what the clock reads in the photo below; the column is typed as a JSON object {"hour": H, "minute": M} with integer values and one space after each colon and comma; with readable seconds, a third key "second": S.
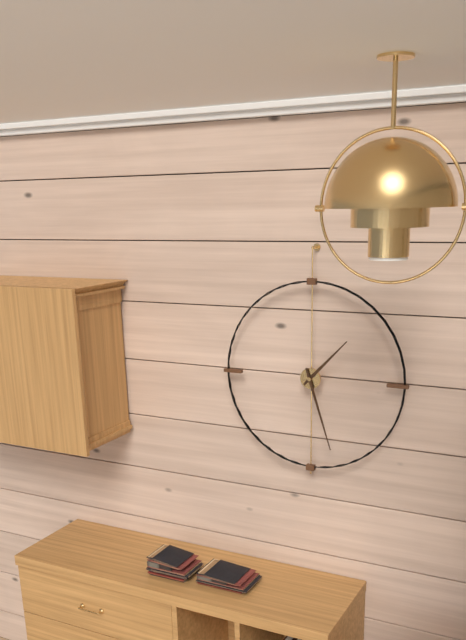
{"hour": 1, "minute": 27}
